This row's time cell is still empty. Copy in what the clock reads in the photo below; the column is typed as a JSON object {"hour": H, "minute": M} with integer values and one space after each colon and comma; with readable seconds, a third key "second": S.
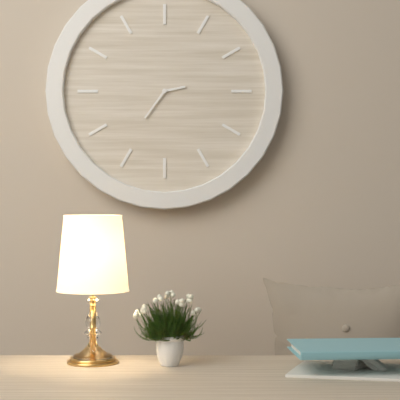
{"hour": 2, "minute": 36}
